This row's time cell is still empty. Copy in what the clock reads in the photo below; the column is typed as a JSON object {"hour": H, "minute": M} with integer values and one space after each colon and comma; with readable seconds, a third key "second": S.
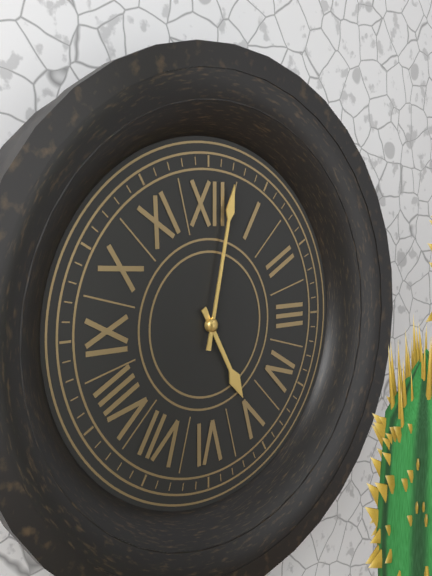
{"hour": 5, "minute": 2}
